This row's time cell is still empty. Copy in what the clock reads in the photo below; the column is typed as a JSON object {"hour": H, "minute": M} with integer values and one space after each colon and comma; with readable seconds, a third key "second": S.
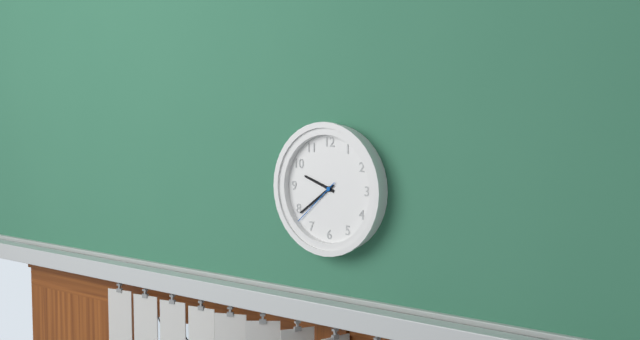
{"hour": 9, "minute": 39, "second": 38}
